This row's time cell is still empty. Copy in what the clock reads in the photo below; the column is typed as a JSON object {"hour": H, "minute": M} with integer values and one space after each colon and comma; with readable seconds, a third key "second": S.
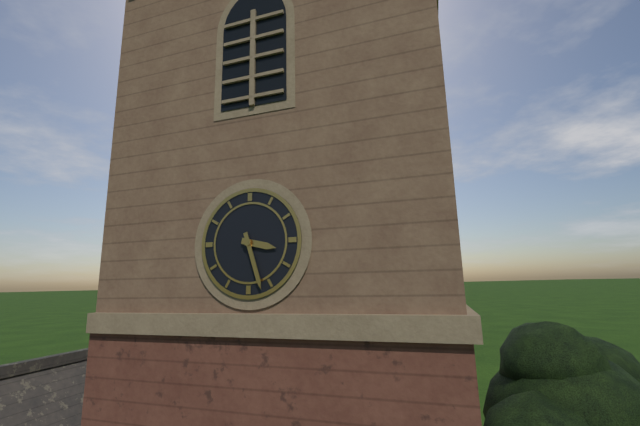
{"hour": 3, "minute": 27}
